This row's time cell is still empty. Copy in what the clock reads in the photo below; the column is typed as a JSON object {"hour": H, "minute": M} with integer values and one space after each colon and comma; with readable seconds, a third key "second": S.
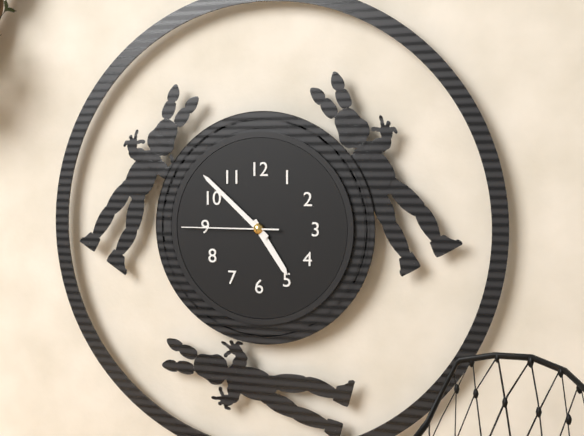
{"hour": 4, "minute": 52, "second": 45}
